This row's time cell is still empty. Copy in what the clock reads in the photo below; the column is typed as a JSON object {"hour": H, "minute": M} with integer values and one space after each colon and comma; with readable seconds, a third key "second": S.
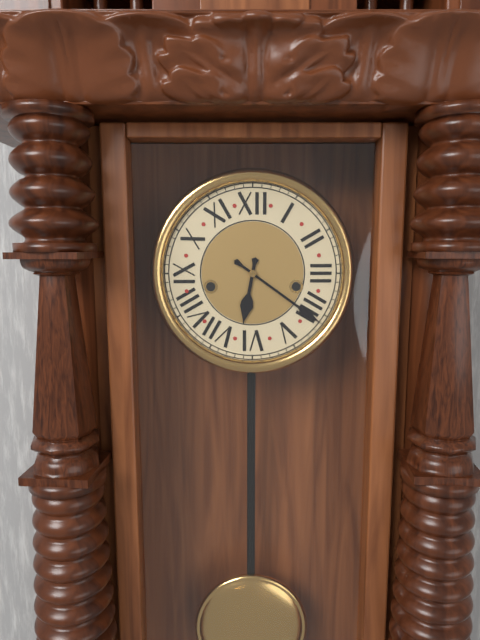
{"hour": 6, "minute": 21}
